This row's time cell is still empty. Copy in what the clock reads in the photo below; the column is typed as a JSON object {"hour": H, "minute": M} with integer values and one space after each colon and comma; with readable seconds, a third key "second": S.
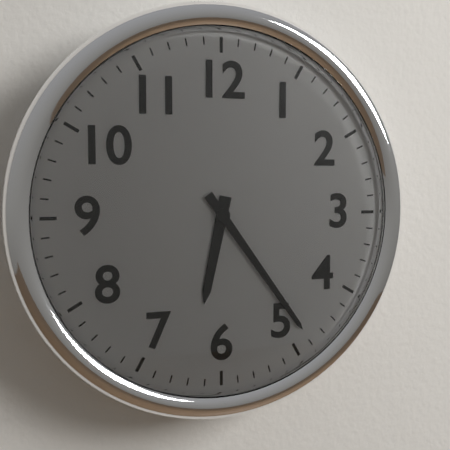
{"hour": 6, "minute": 24}
